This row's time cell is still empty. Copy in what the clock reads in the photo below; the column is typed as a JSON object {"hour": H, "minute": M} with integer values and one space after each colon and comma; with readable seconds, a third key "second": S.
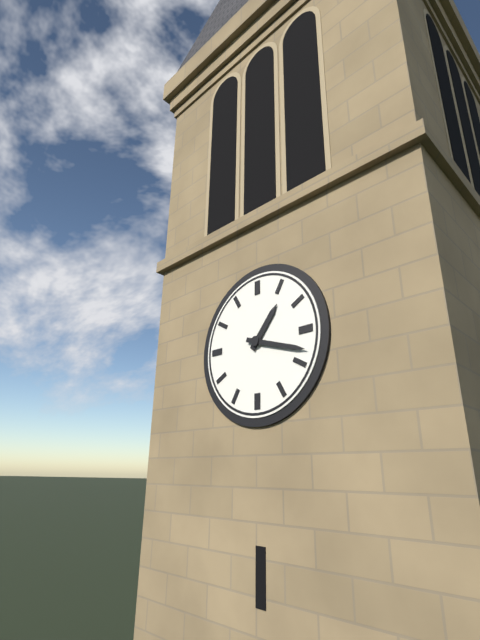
{"hour": 1, "minute": 18}
